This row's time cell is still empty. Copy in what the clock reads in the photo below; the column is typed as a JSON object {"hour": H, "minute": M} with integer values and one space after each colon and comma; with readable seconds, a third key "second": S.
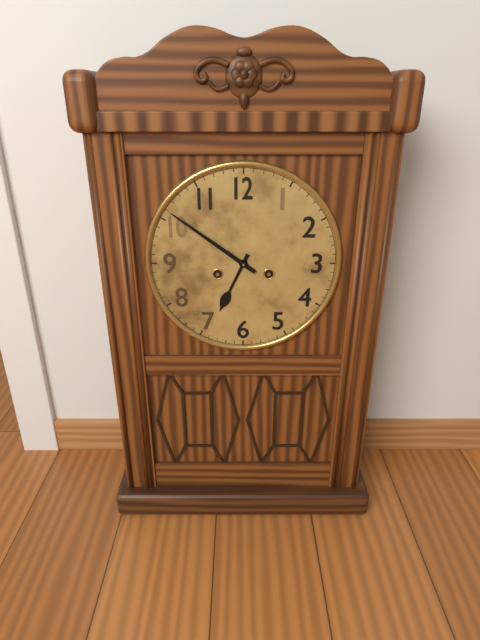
{"hour": 6, "minute": 51}
